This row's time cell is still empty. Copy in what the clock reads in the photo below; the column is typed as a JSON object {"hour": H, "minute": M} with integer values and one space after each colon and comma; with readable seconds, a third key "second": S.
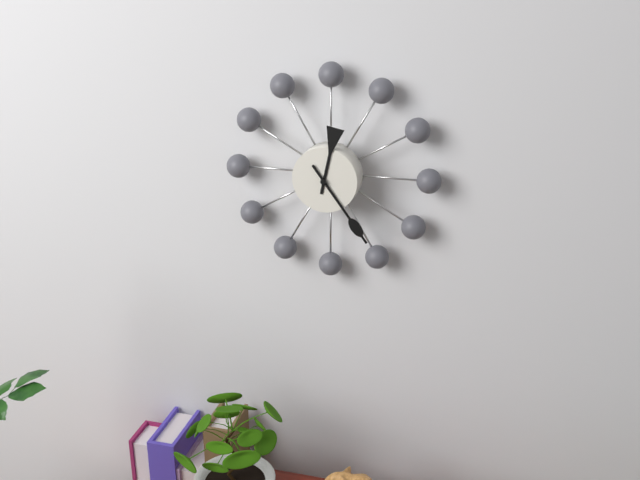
{"hour": 12, "minute": 24}
